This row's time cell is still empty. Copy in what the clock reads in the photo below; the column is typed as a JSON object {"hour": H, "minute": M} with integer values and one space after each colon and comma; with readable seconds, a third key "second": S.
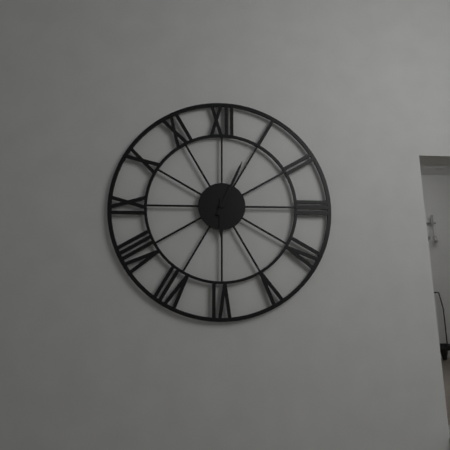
{"hour": 6, "minute": 4}
